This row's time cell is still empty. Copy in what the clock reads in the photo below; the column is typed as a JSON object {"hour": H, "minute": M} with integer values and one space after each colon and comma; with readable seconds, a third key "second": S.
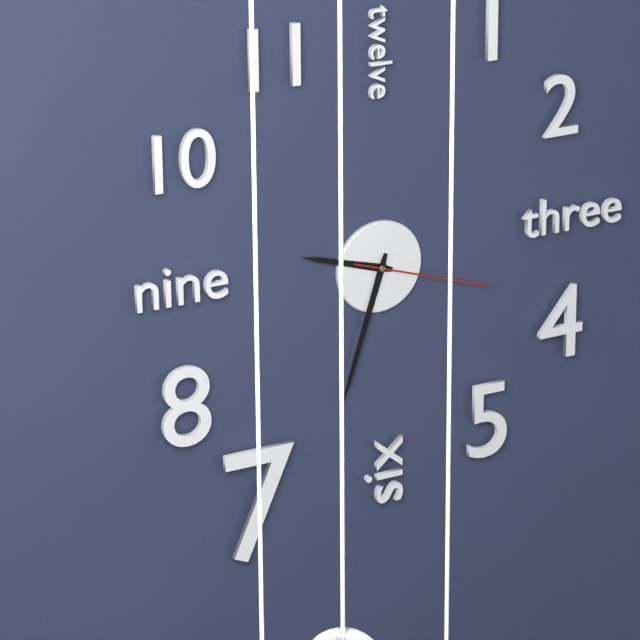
{"hour": 9, "minute": 33, "second": 18}
